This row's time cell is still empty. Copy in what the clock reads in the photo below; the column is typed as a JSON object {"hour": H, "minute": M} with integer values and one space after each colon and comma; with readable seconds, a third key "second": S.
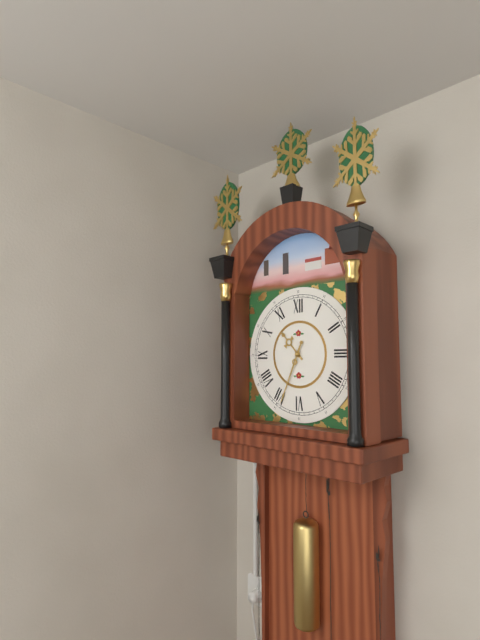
{"hour": 10, "minute": 34}
